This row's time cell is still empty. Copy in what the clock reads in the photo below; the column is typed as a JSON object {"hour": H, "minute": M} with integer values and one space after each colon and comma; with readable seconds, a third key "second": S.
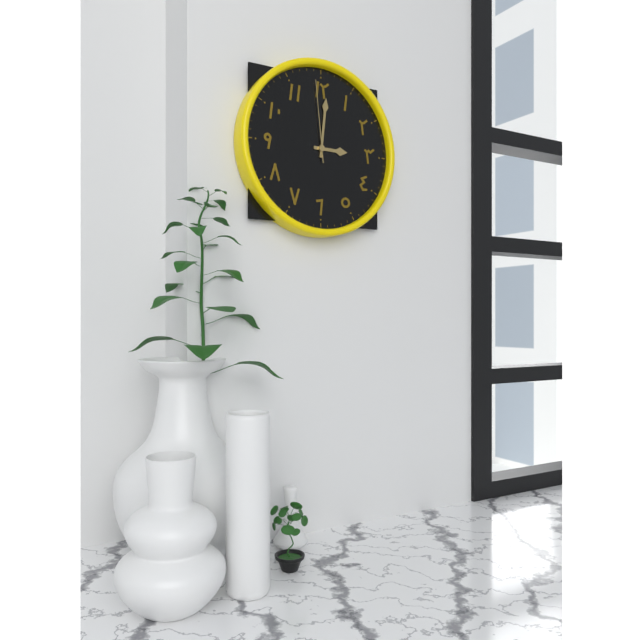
{"hour": 3, "minute": 1, "second": 59}
